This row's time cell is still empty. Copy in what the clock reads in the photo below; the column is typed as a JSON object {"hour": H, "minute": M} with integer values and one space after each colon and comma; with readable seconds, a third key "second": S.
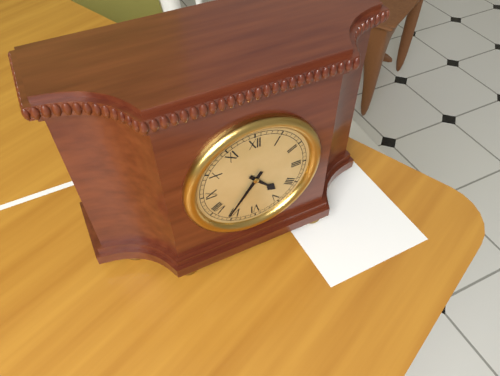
{"hour": 4, "minute": 36}
